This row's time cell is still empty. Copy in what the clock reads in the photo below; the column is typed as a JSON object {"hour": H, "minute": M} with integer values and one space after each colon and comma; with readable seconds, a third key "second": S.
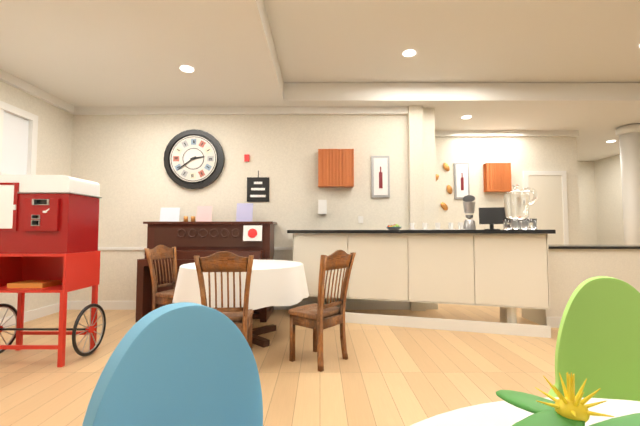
{"hour": 2, "minute": 39}
